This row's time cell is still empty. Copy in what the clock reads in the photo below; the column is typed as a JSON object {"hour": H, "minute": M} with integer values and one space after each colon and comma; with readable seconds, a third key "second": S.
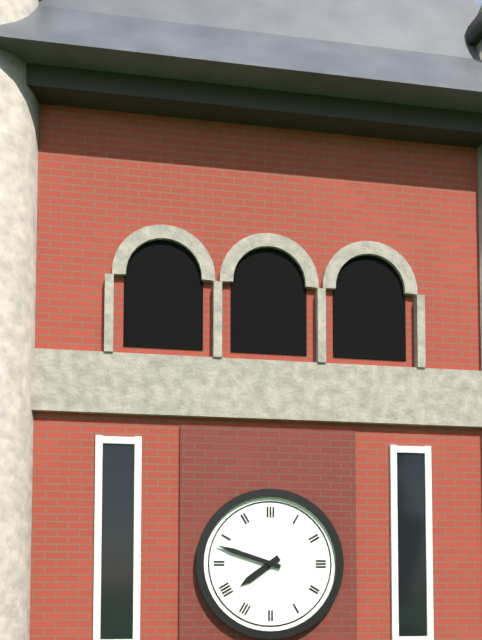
{"hour": 7, "minute": 48}
